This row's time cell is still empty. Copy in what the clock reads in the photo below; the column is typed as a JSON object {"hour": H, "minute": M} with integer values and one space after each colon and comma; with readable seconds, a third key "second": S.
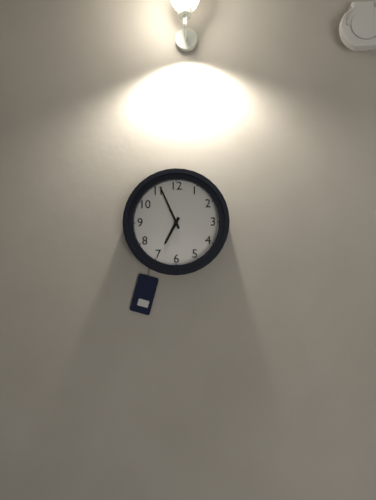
{"hour": 6, "minute": 56}
